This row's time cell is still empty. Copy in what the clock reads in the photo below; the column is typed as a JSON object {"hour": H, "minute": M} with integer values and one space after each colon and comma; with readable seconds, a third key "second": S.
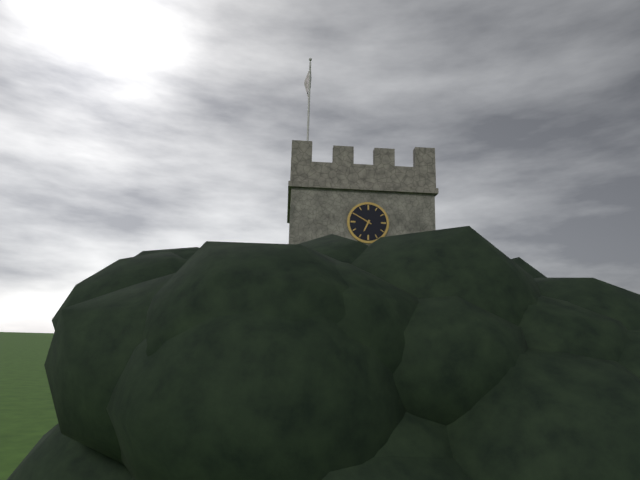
{"hour": 6, "minute": 50}
